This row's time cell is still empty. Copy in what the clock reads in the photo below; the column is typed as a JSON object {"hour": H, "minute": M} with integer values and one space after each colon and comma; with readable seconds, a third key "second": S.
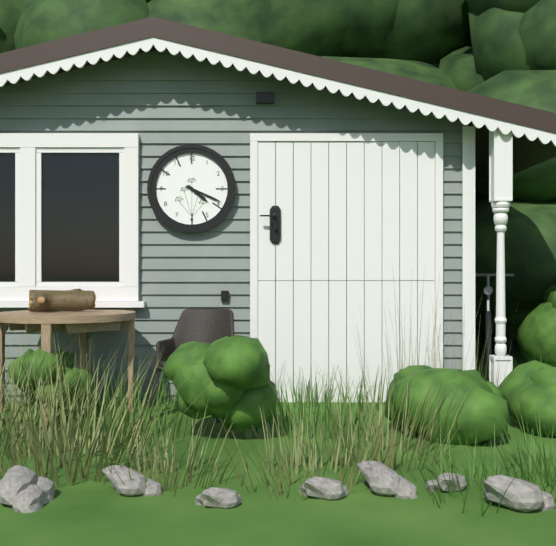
{"hour": 4, "minute": 19}
